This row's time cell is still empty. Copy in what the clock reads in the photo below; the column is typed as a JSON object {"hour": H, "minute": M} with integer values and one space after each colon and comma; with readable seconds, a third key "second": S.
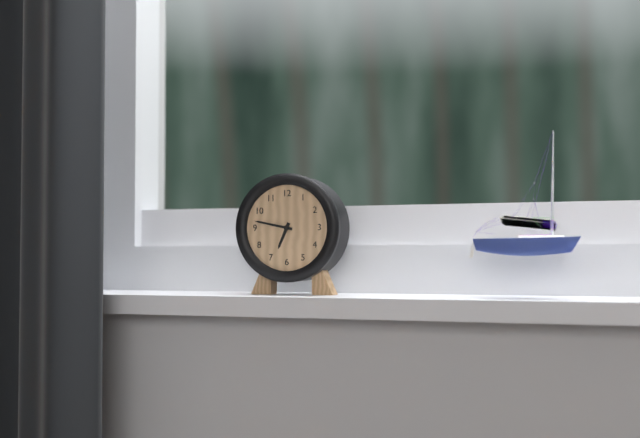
{"hour": 6, "minute": 47}
